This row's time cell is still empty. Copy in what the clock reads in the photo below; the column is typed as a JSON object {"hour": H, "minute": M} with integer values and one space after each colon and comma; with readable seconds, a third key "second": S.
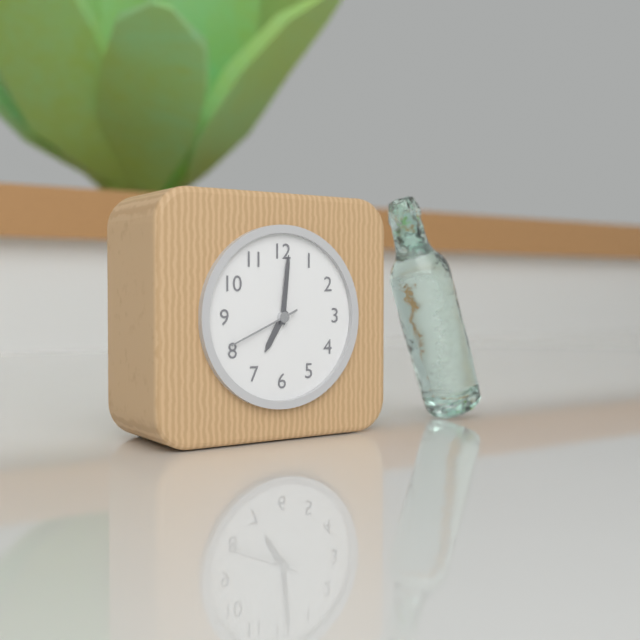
{"hour": 7, "minute": 1, "second": 41}
